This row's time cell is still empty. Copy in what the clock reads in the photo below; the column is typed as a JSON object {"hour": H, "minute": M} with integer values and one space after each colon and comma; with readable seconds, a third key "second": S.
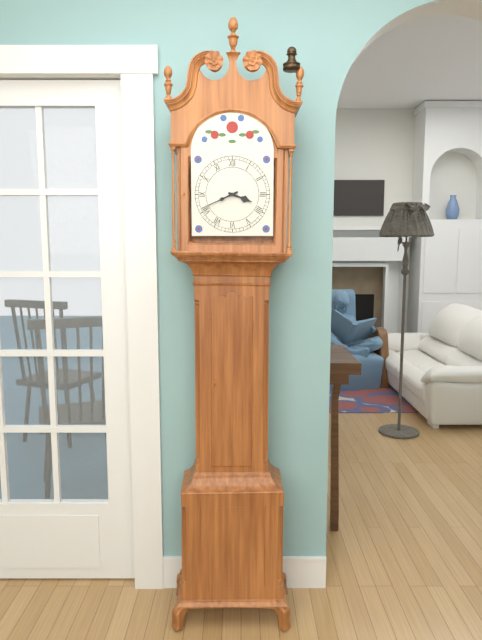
{"hour": 3, "minute": 41}
